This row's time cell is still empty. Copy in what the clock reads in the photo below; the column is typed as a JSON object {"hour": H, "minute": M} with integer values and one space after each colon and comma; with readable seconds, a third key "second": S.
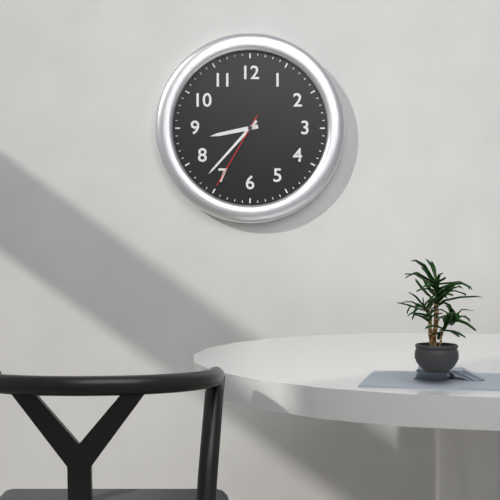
{"hour": 8, "minute": 37, "second": 35}
